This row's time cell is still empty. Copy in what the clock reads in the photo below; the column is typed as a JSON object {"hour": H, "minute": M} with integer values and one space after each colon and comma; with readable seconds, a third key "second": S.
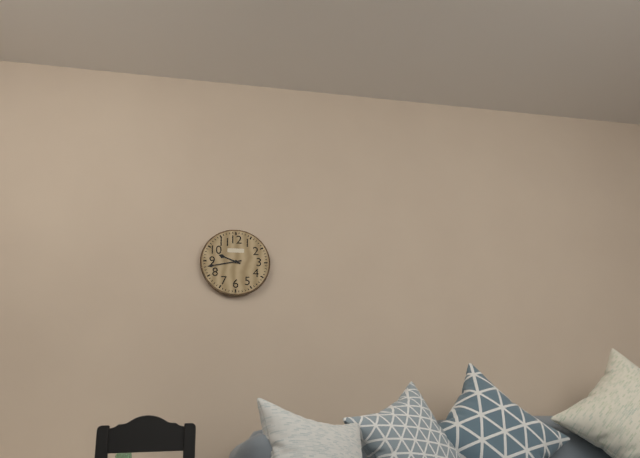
{"hour": 9, "minute": 43}
